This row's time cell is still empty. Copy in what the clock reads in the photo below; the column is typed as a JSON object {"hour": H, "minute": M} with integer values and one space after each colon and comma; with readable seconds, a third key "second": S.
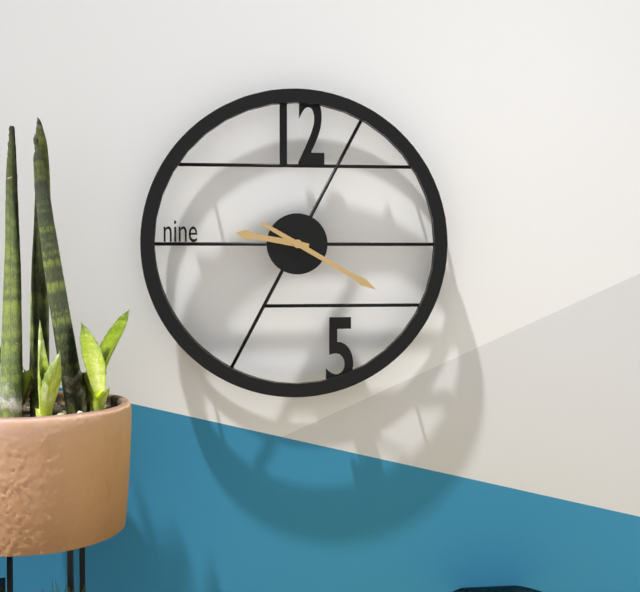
{"hour": 9, "minute": 20}
